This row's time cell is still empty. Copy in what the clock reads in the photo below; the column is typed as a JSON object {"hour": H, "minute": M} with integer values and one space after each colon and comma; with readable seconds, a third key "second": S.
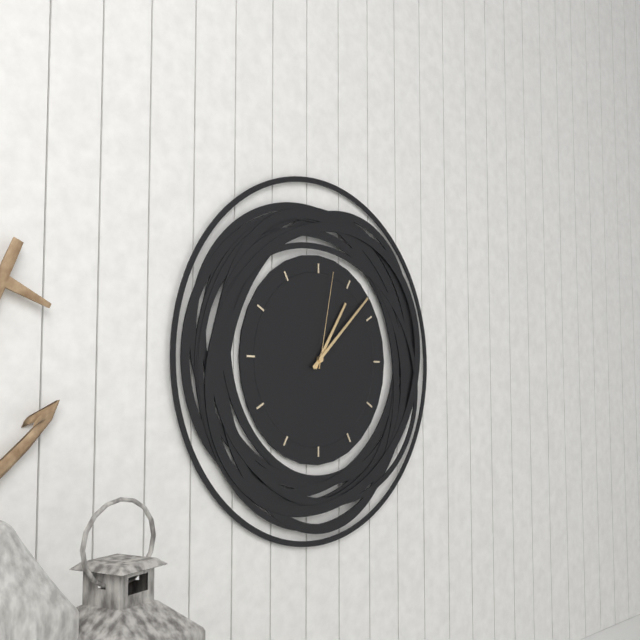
{"hour": 1, "minute": 8, "second": 2}
